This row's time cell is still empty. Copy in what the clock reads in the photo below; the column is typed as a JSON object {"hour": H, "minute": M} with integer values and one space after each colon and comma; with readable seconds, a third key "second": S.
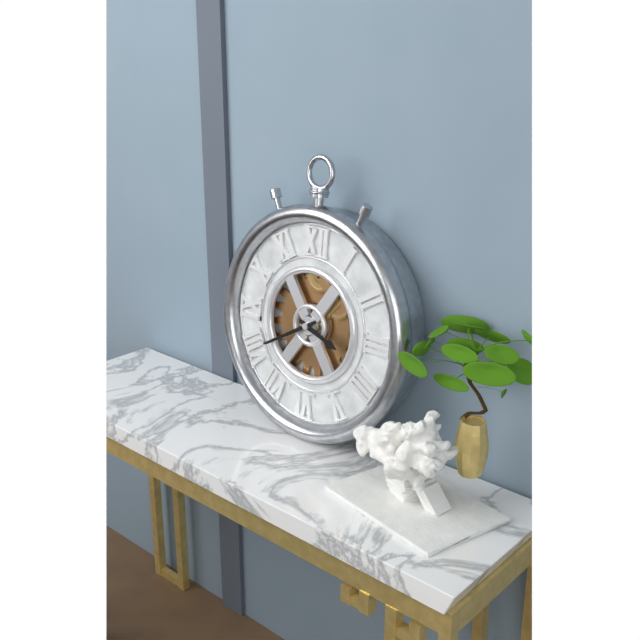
{"hour": 3, "minute": 40}
